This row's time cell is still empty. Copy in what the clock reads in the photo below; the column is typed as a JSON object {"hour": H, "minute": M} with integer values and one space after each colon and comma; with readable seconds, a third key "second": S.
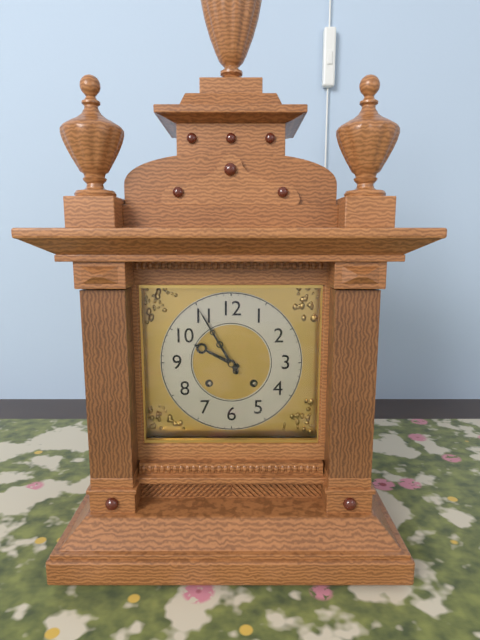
{"hour": 9, "minute": 55}
